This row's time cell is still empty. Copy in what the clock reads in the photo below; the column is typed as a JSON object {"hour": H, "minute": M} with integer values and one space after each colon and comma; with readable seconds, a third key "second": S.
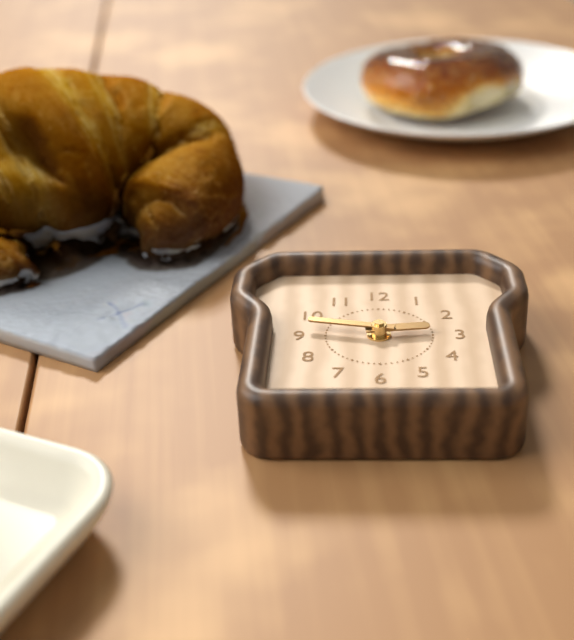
{"hour": 2, "minute": 47}
